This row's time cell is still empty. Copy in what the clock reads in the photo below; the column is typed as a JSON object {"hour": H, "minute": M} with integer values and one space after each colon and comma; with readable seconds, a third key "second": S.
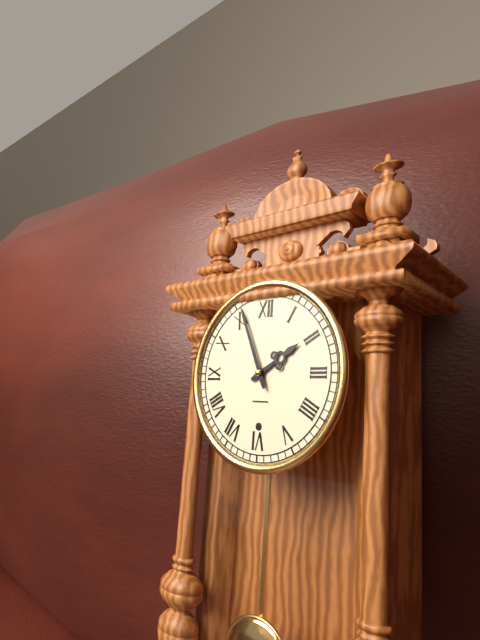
{"hour": 1, "minute": 56}
